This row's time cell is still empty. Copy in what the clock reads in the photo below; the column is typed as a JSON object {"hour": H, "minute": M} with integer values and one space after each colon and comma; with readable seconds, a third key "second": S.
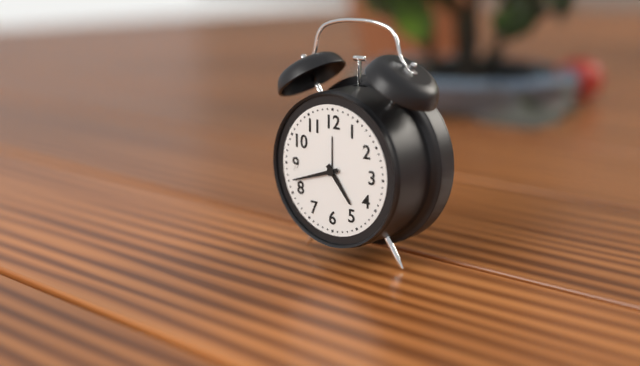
{"hour": 4, "minute": 42}
